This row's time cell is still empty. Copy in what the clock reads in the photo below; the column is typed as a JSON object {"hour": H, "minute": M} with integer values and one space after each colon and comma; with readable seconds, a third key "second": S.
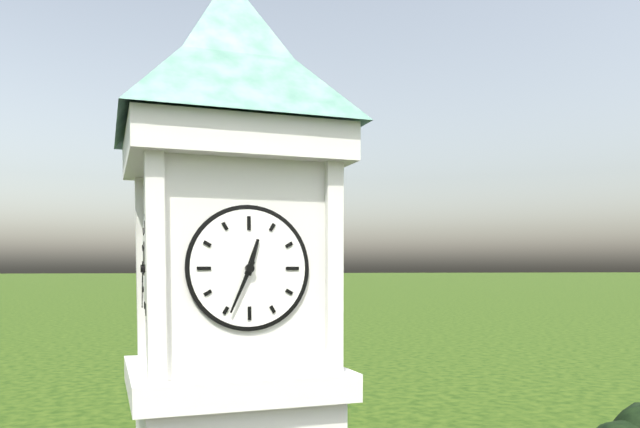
{"hour": 12, "minute": 34}
